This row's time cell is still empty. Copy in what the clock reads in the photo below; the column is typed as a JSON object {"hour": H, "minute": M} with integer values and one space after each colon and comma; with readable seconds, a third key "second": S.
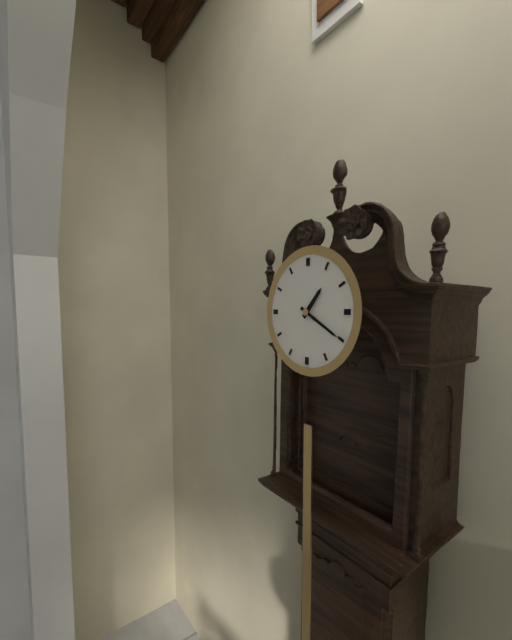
{"hour": 1, "minute": 20}
